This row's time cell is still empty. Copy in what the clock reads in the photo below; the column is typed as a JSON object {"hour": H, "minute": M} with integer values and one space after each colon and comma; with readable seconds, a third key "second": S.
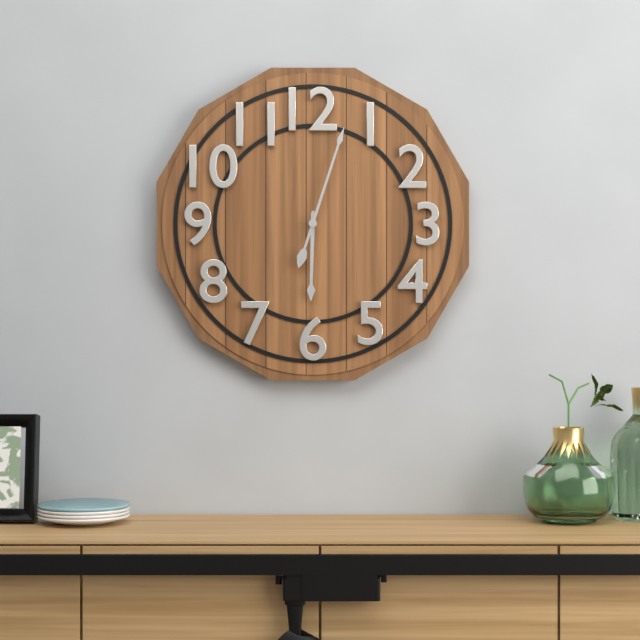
{"hour": 6, "minute": 3}
